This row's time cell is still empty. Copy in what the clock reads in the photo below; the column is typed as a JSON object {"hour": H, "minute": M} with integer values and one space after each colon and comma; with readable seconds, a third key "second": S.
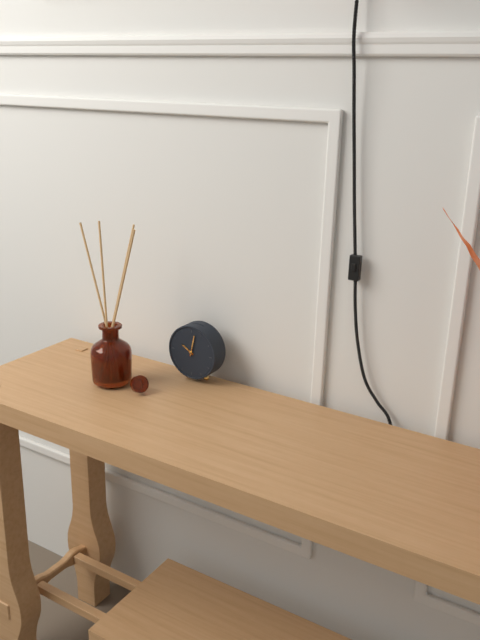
{"hour": 10, "minute": 2}
